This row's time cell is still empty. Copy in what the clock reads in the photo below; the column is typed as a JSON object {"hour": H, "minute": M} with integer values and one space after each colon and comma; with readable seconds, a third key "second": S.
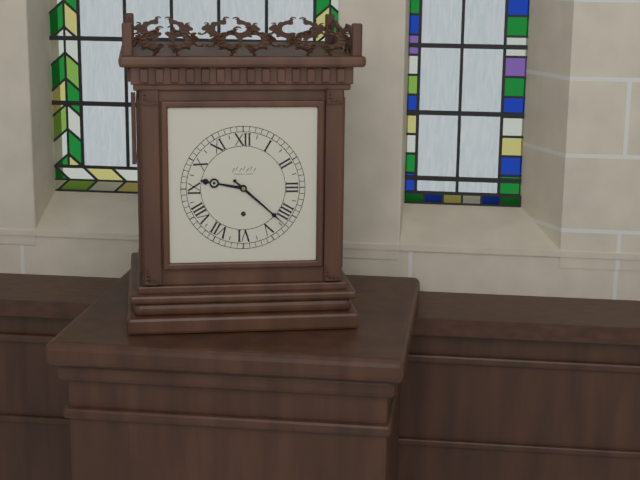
{"hour": 9, "minute": 22}
